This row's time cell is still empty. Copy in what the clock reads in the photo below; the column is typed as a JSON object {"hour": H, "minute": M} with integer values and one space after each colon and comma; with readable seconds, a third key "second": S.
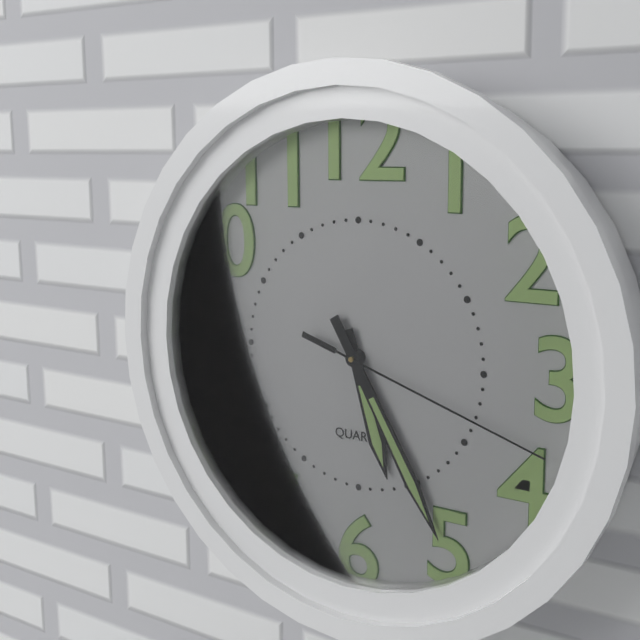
{"hour": 5, "minute": 25, "second": 18}
